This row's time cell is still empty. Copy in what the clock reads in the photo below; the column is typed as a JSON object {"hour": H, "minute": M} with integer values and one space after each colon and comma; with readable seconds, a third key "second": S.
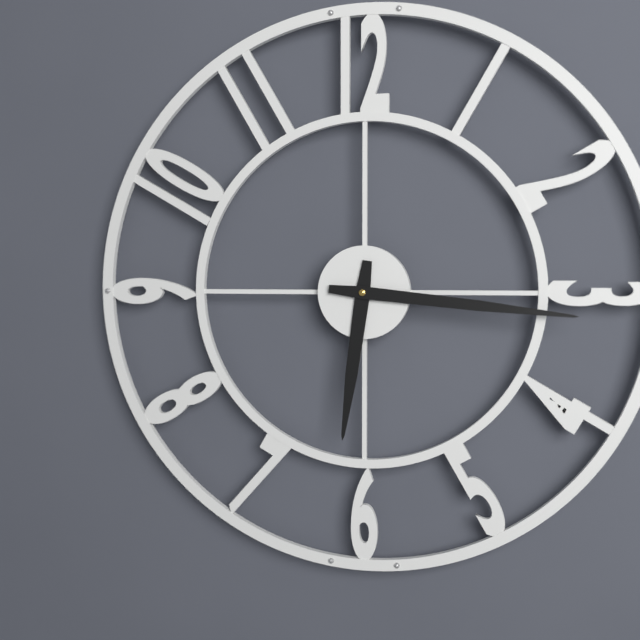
{"hour": 6, "minute": 16}
